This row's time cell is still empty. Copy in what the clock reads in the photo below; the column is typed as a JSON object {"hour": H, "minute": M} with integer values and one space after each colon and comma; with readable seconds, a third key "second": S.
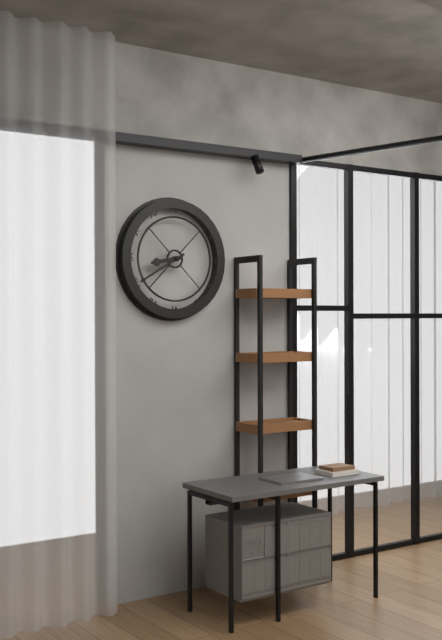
{"hour": 8, "minute": 40}
